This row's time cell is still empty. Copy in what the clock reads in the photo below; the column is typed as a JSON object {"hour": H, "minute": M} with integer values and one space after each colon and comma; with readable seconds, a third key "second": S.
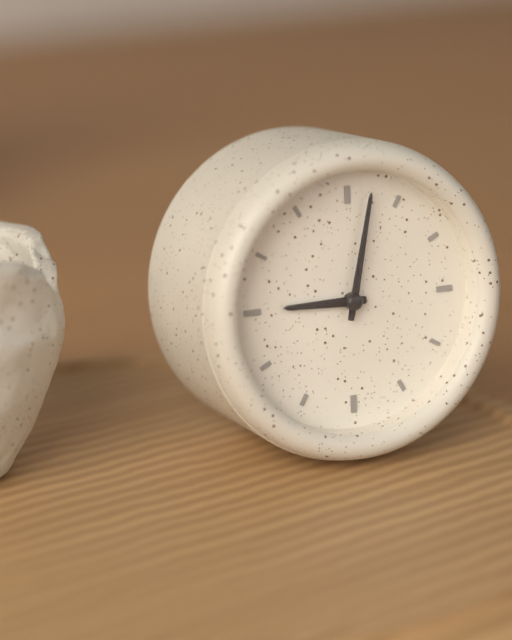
{"hour": 9, "minute": 2}
